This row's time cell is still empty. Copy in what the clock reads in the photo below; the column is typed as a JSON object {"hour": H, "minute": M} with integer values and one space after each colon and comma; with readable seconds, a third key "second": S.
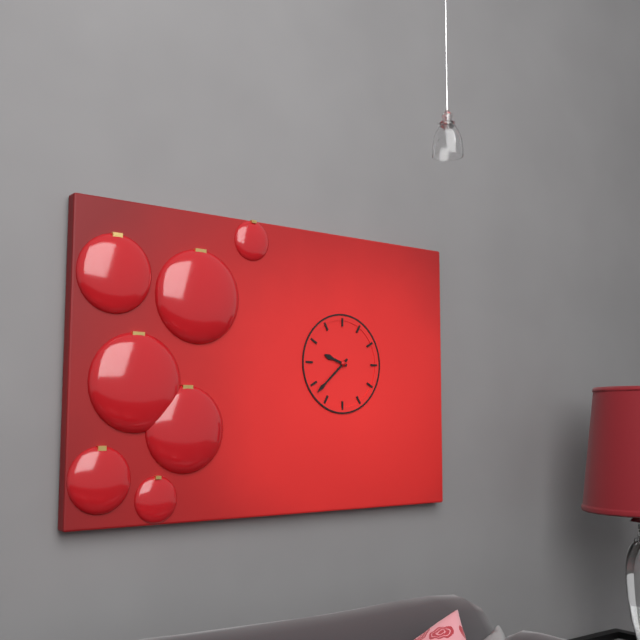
{"hour": 9, "minute": 38}
